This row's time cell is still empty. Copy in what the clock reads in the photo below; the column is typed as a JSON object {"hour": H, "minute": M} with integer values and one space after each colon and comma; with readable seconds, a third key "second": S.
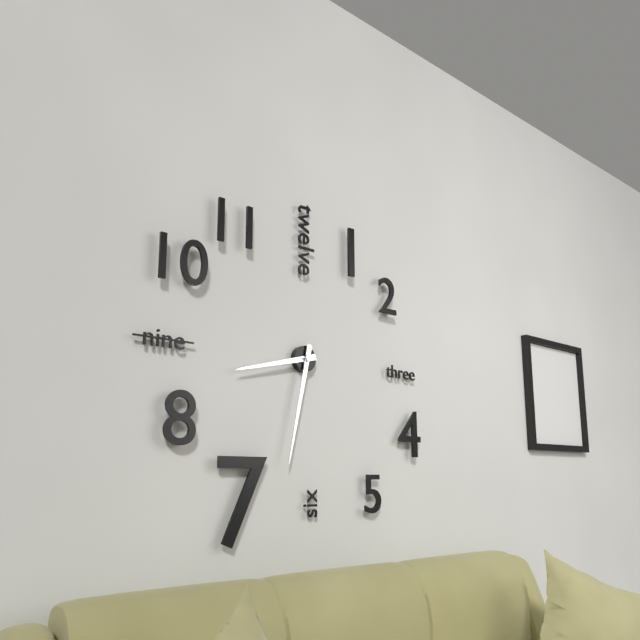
{"hour": 8, "minute": 32}
